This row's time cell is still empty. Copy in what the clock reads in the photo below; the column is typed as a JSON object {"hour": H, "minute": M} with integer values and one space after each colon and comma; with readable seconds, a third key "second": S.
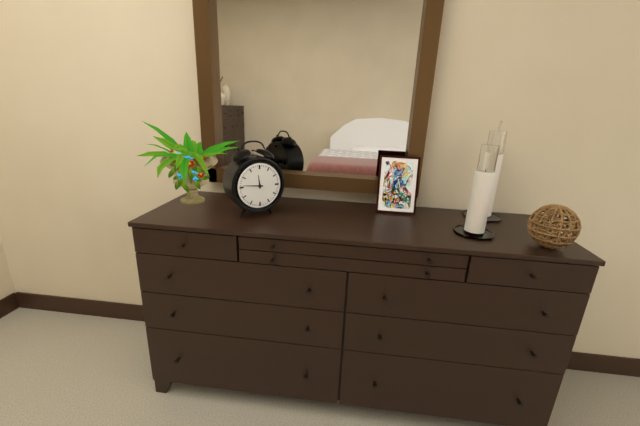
{"hour": 11, "minute": 46}
